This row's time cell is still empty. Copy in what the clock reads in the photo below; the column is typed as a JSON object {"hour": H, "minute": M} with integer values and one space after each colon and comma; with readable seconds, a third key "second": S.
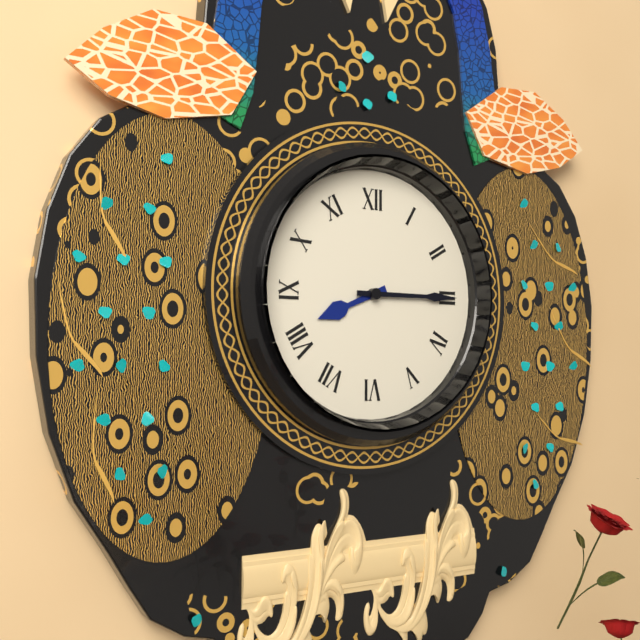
{"hour": 8, "minute": 15}
